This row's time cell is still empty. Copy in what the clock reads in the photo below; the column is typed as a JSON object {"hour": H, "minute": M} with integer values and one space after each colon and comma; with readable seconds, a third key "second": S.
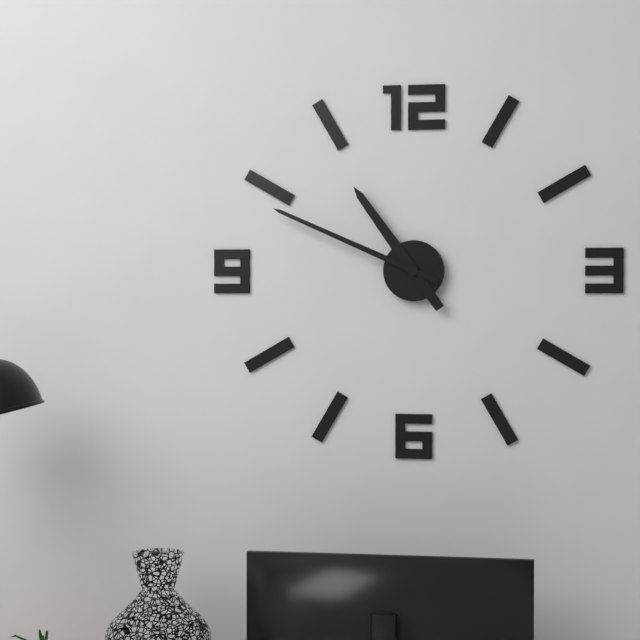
{"hour": 10, "minute": 49}
